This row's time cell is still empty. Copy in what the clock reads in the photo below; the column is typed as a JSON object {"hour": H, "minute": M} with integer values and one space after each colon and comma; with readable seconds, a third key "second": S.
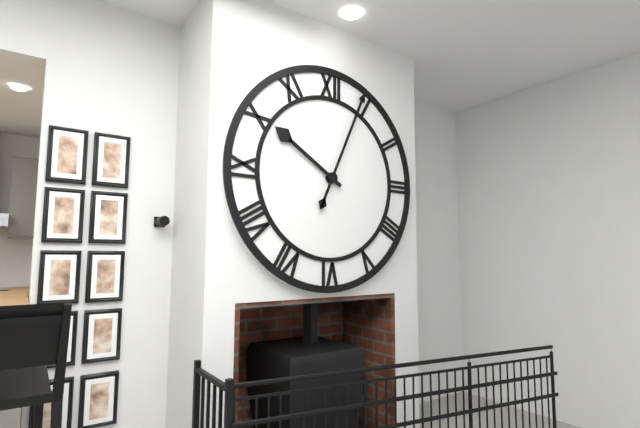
{"hour": 10, "minute": 4}
